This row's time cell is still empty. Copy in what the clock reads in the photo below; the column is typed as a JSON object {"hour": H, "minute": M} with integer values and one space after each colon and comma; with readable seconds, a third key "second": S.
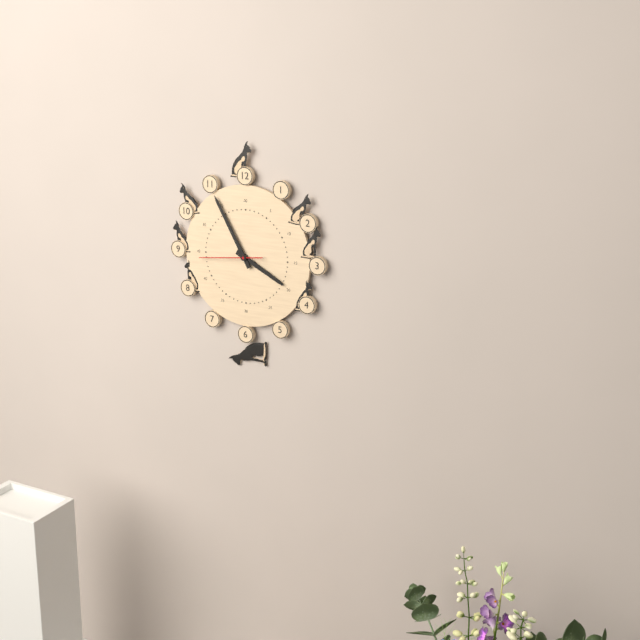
{"hour": 3, "minute": 55, "second": 44}
